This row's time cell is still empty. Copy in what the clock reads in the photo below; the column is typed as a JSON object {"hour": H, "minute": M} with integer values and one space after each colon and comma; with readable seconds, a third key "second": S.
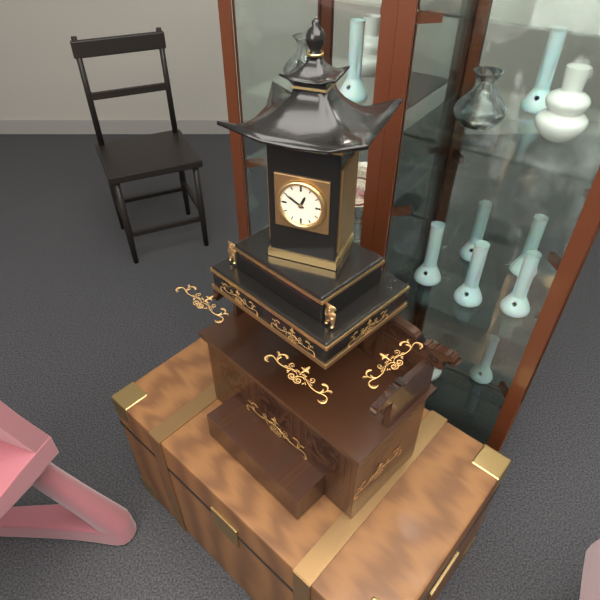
{"hour": 12, "minute": 50}
